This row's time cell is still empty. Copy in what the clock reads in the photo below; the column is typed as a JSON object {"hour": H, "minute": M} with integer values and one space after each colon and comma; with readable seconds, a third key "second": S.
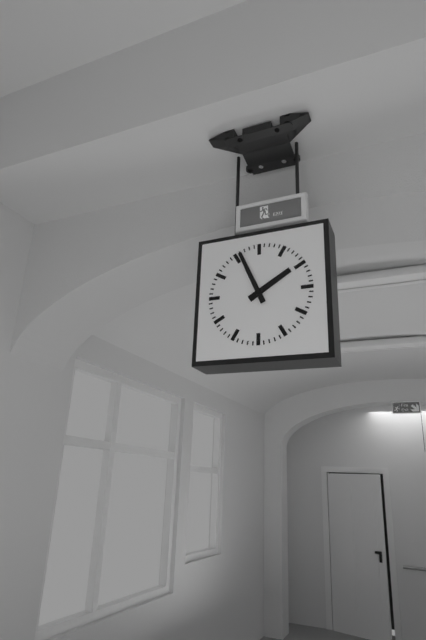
{"hour": 1, "minute": 56}
